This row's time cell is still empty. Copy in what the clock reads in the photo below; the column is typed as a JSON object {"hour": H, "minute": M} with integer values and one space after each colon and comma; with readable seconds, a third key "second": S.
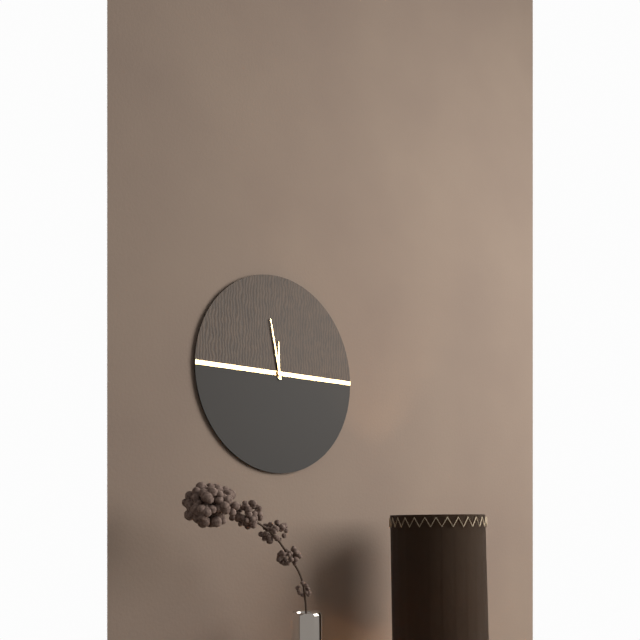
{"hour": 11, "minute": 58}
